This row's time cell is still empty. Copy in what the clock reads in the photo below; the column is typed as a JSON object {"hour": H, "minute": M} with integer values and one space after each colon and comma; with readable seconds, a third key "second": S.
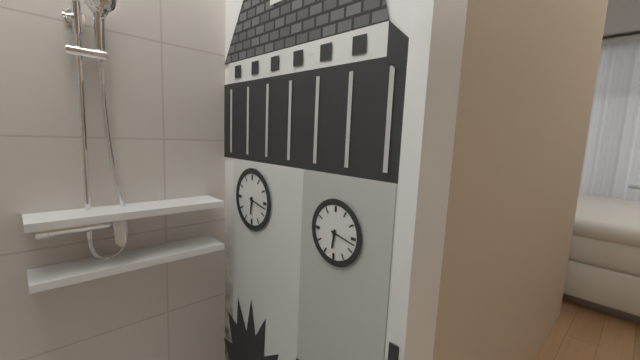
{"hour": 6, "minute": 17}
